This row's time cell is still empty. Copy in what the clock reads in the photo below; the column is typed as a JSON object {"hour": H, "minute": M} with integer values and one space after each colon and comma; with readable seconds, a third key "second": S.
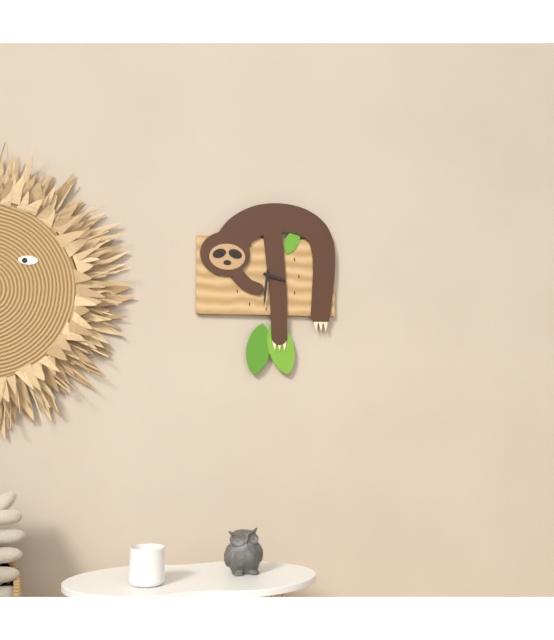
{"hour": 3, "minute": 31}
